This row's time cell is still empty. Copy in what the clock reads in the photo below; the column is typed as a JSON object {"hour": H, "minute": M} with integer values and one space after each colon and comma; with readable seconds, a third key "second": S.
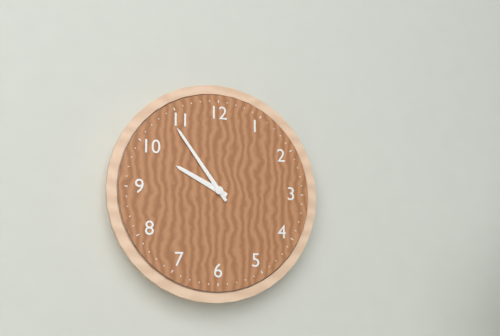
{"hour": 9, "minute": 54}
